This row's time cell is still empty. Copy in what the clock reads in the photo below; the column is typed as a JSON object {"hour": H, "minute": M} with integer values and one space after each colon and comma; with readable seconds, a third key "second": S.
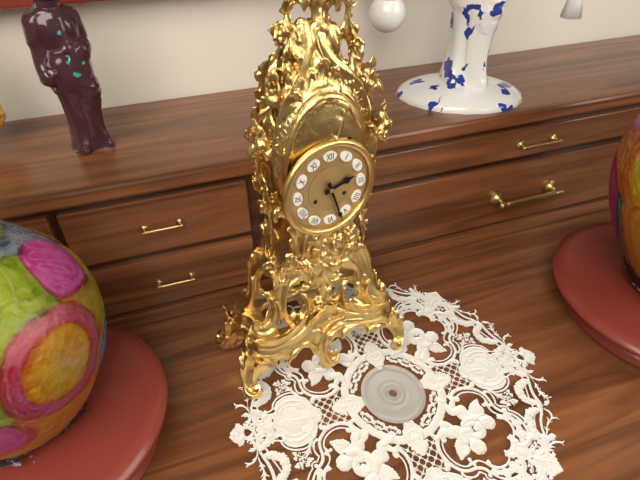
{"hour": 2, "minute": 27}
